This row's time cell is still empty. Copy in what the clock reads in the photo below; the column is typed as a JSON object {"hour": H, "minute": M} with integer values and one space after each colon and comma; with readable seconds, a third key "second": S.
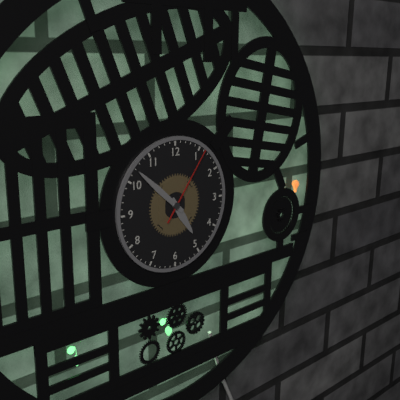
{"hour": 4, "minute": 52, "second": 6}
